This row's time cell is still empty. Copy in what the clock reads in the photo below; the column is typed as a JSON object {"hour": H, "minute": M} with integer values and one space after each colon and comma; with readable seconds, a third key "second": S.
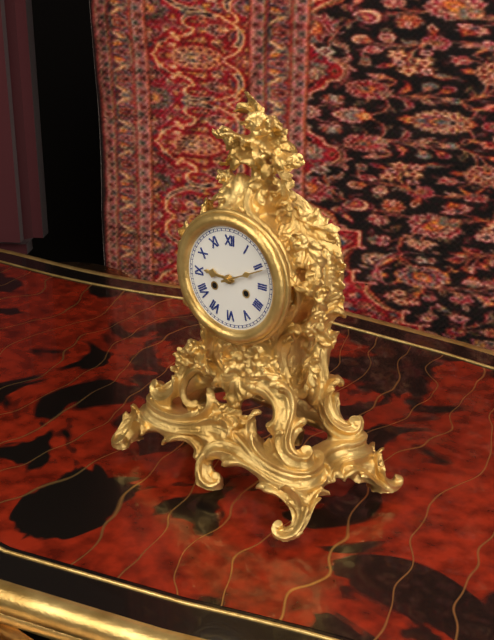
{"hour": 9, "minute": 11}
